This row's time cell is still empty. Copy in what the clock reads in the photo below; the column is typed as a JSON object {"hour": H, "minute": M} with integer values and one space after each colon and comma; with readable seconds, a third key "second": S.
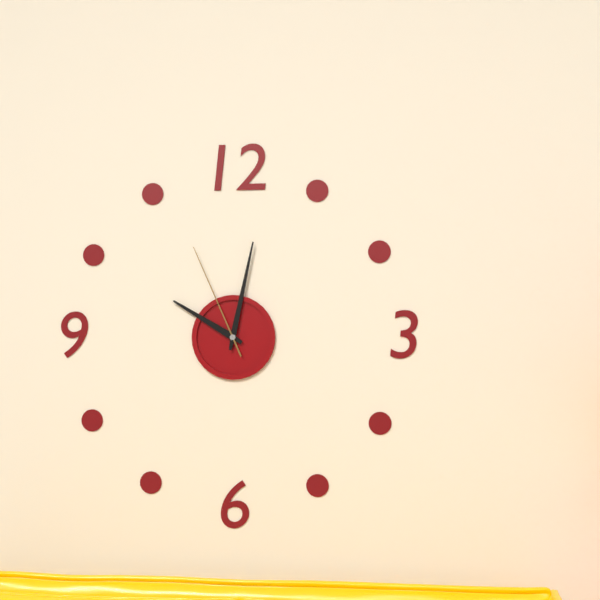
{"hour": 10, "minute": 2, "second": 56}
